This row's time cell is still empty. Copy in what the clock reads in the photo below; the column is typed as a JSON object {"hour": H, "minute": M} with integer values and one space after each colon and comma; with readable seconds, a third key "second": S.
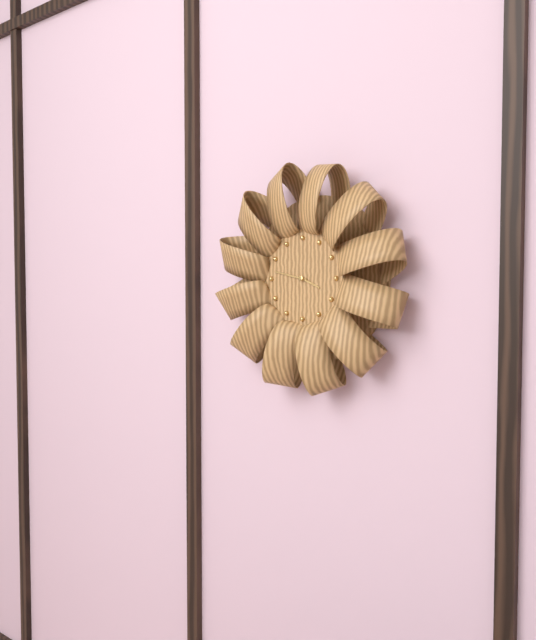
{"hour": 3, "minute": 47}
